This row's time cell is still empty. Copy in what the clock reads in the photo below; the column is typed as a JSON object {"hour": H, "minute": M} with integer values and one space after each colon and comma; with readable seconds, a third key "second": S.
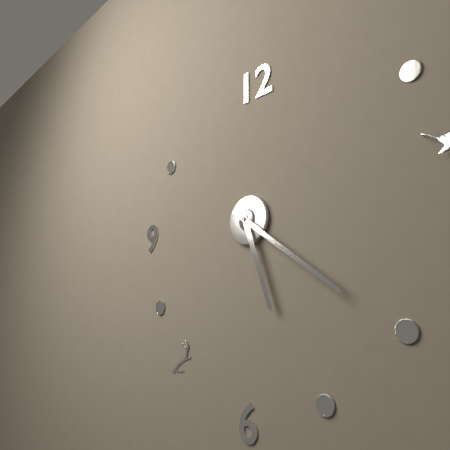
{"hour": 5, "minute": 21}
